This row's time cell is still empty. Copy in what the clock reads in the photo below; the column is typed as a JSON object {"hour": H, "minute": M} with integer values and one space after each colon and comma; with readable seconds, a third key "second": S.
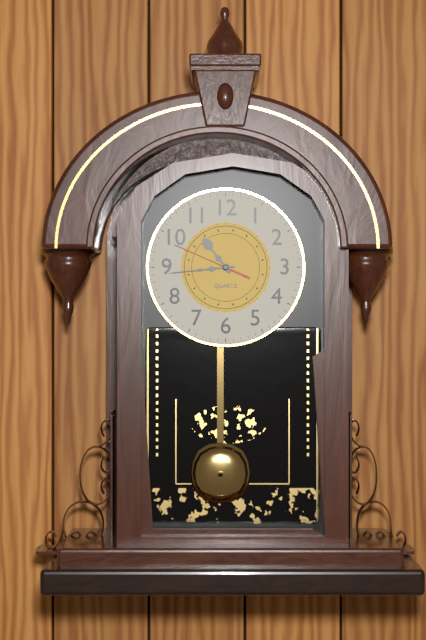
{"hour": 10, "minute": 44, "second": 49}
